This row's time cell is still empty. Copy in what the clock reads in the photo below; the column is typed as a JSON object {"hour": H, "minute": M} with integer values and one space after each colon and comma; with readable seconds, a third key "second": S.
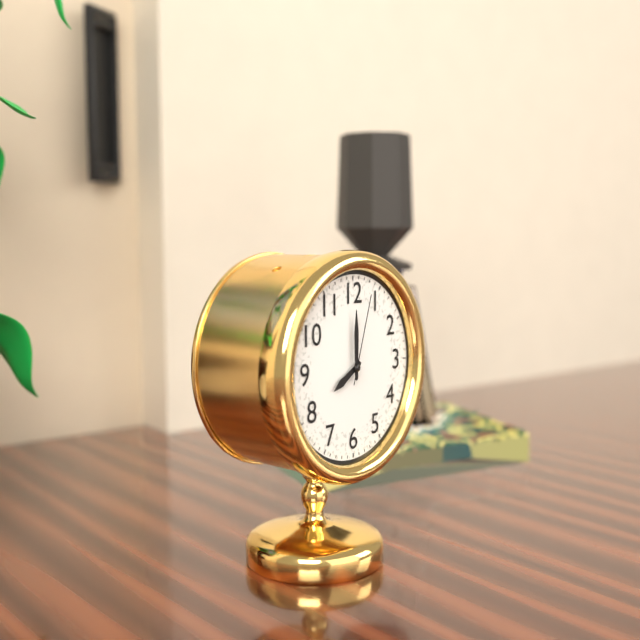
{"hour": 8, "minute": 0, "second": 3}
